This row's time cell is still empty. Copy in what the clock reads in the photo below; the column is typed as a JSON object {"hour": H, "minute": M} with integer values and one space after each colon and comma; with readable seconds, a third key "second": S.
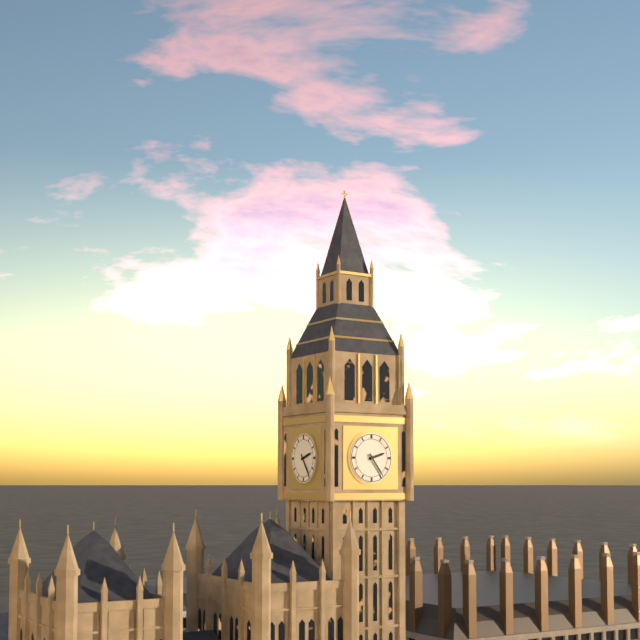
{"hour": 2, "minute": 24}
